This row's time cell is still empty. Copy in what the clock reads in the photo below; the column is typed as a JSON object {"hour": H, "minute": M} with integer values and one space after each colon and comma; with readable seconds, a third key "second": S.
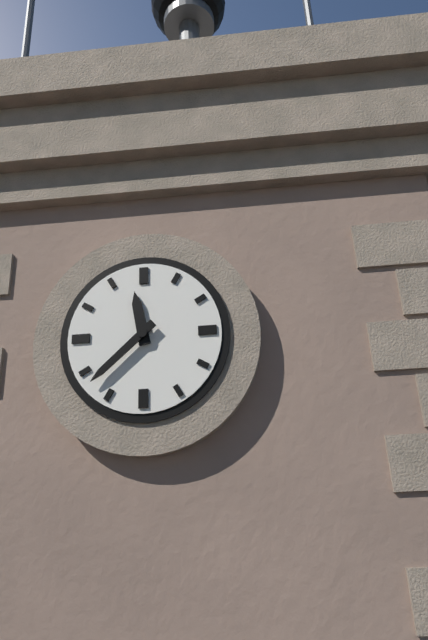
{"hour": 11, "minute": 38}
